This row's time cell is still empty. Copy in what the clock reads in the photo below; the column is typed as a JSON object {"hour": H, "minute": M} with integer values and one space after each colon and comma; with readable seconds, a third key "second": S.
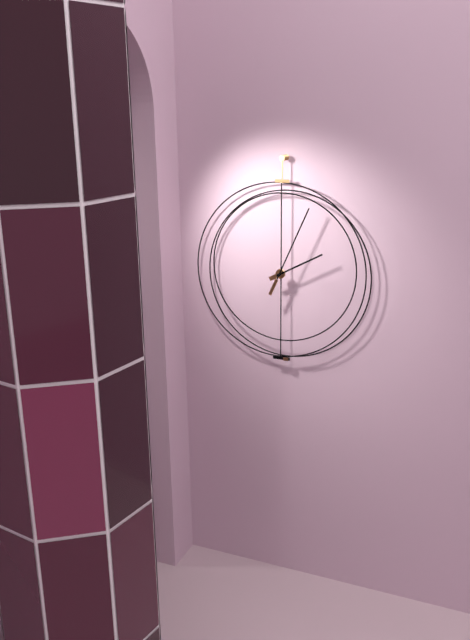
{"hour": 2, "minute": 4}
